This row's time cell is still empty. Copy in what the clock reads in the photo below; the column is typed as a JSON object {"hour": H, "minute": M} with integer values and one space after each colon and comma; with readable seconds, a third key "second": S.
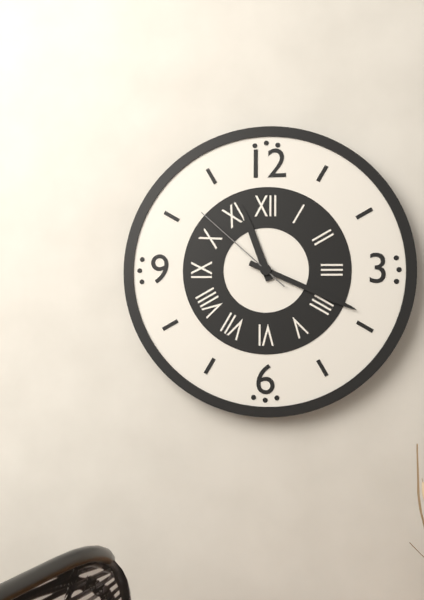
{"hour": 11, "minute": 19, "second": 52}
